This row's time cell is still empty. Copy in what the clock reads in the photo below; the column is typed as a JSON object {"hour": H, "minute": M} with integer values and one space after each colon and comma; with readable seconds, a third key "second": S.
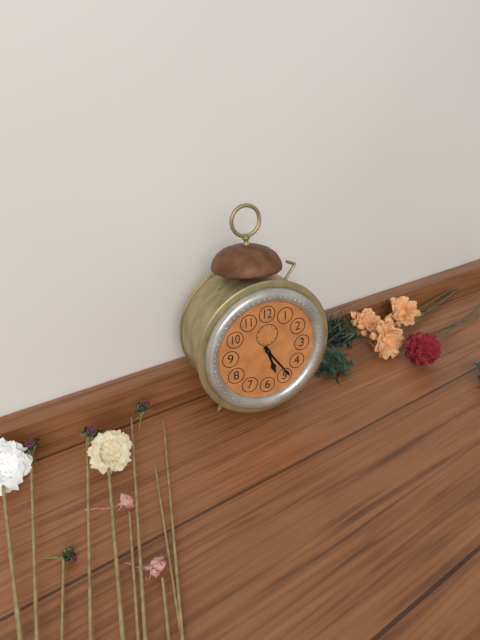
{"hour": 5, "minute": 24}
